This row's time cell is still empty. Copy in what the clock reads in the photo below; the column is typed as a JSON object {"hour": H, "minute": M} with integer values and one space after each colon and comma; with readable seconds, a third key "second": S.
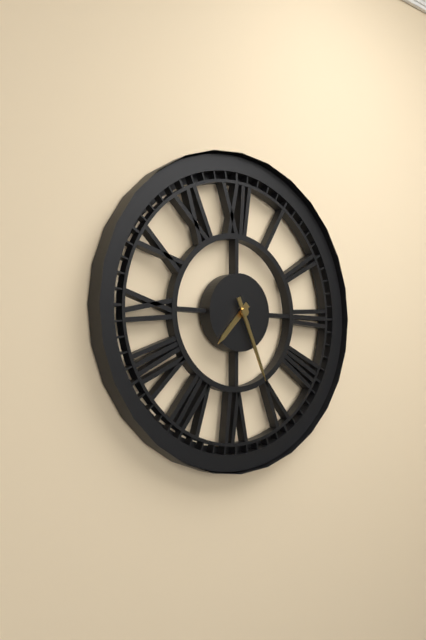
{"hour": 7, "minute": 26}
